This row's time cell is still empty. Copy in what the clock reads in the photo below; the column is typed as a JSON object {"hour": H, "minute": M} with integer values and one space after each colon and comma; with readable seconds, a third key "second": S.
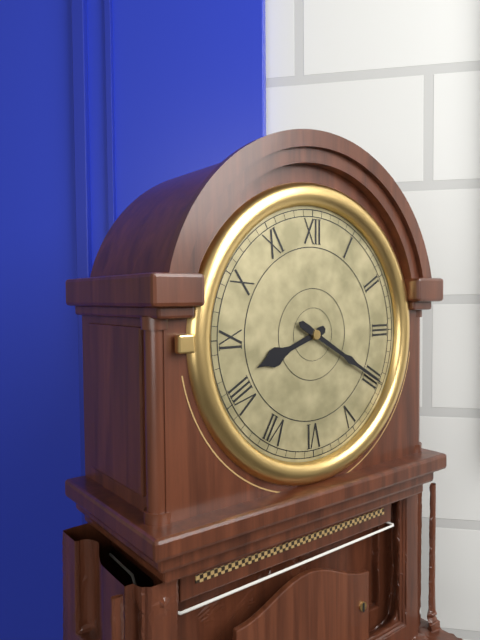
{"hour": 8, "minute": 20}
